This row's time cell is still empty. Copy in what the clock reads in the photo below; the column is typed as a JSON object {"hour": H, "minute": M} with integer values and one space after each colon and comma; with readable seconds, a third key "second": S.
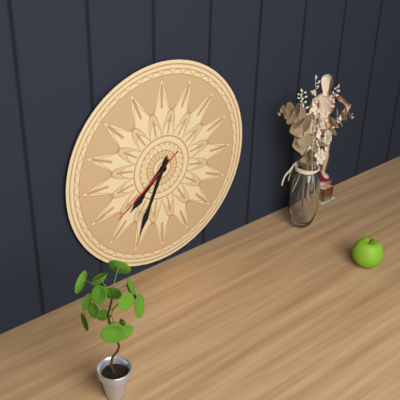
{"hour": 7, "minute": 34, "second": 39}
